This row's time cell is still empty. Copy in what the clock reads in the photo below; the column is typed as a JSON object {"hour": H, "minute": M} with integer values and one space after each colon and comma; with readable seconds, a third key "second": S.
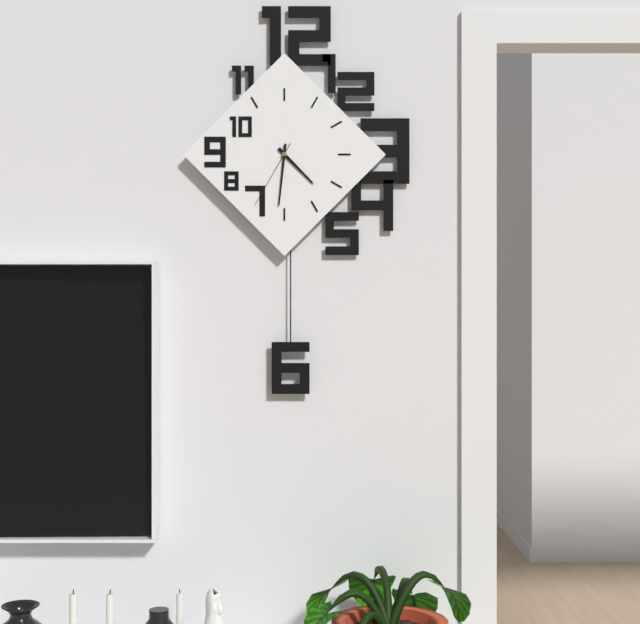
{"hour": 4, "minute": 31, "second": 35}
